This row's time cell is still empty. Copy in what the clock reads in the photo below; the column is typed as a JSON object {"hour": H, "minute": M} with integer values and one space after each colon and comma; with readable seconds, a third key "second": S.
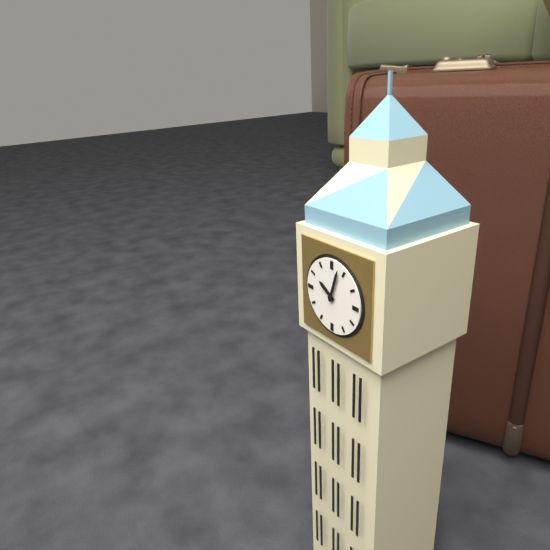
{"hour": 10, "minute": 3}
